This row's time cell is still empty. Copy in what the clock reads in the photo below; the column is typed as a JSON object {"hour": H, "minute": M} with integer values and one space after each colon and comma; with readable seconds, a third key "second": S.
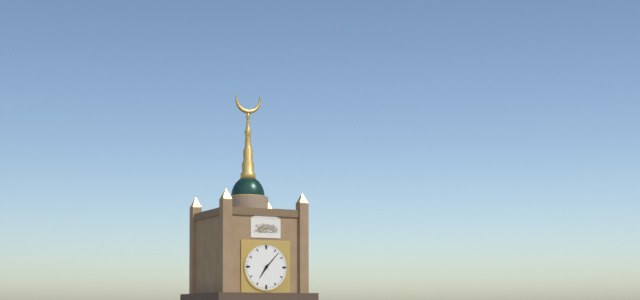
{"hour": 7, "minute": 7}
